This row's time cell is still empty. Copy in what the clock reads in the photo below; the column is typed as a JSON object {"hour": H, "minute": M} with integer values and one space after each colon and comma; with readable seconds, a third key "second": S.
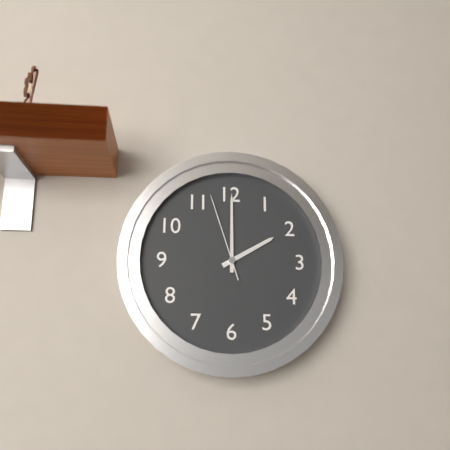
{"hour": 2, "minute": 0, "second": 57}
